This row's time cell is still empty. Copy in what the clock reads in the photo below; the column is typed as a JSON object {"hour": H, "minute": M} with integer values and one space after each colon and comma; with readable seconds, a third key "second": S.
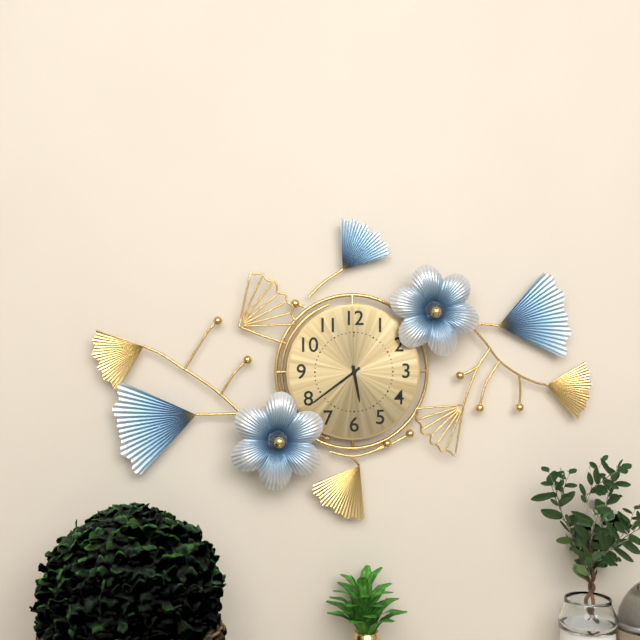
{"hour": 5, "minute": 39}
